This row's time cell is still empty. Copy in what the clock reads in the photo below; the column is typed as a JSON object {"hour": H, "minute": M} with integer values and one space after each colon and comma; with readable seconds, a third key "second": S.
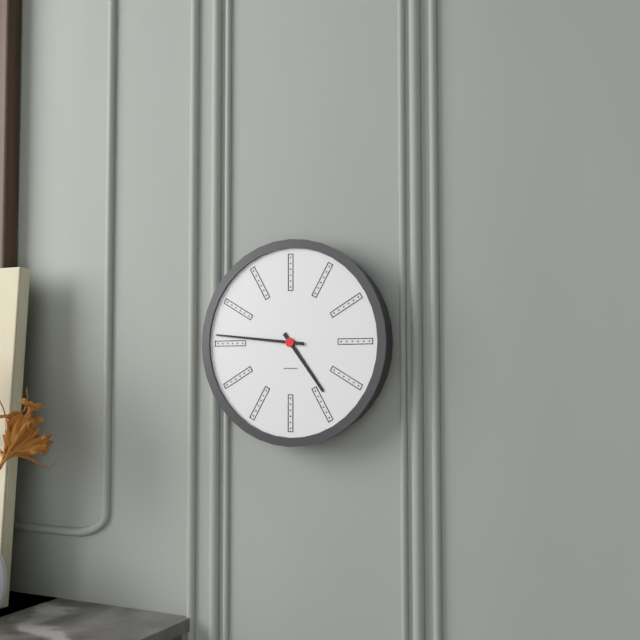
{"hour": 4, "minute": 46}
